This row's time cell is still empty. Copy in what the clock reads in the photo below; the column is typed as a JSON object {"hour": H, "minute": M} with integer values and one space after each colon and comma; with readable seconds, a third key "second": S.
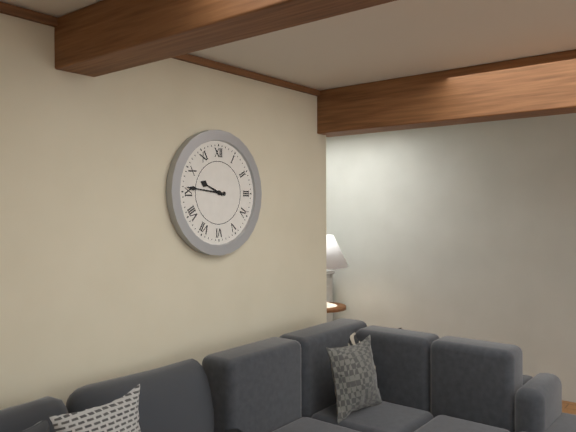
{"hour": 9, "minute": 46}
